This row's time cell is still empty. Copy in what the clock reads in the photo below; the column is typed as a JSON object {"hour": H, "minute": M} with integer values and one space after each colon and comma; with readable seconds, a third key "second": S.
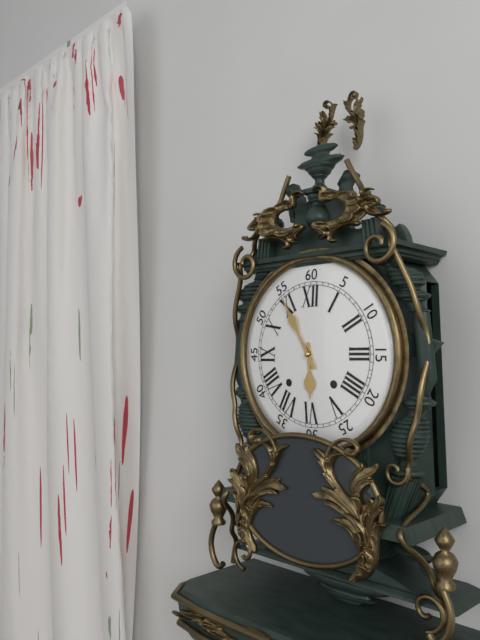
{"hour": 5, "minute": 55}
